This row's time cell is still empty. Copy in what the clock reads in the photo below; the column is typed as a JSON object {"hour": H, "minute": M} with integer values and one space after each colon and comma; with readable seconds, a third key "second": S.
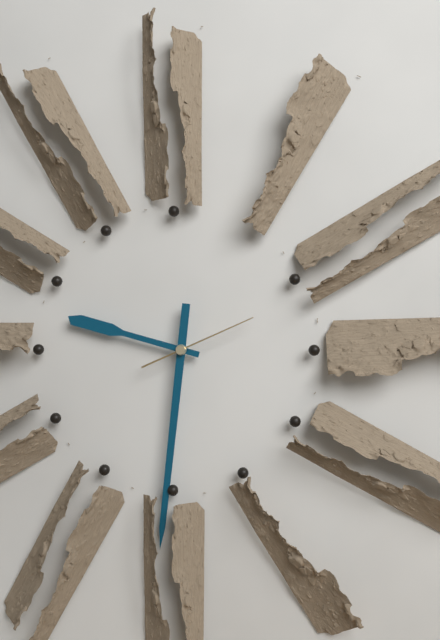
{"hour": 9, "minute": 31, "second": 11}
